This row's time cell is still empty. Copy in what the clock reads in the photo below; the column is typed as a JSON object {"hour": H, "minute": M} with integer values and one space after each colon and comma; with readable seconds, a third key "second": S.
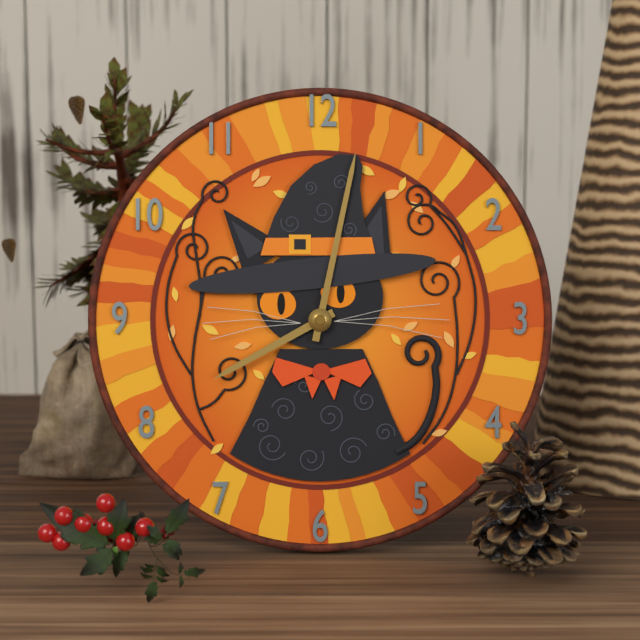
{"hour": 8, "minute": 2}
